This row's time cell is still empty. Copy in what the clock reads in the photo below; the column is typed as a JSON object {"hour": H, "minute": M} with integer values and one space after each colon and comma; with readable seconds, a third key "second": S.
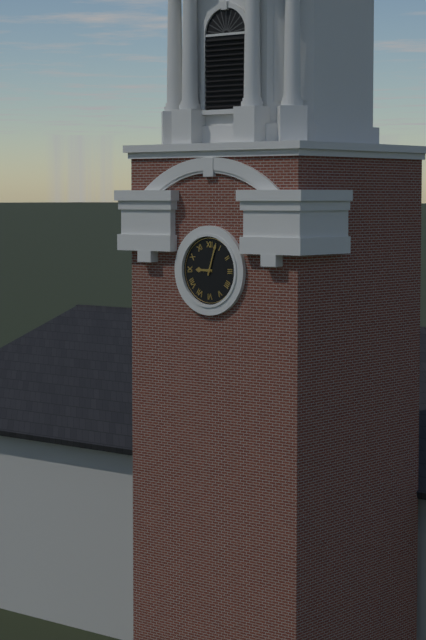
{"hour": 9, "minute": 3}
